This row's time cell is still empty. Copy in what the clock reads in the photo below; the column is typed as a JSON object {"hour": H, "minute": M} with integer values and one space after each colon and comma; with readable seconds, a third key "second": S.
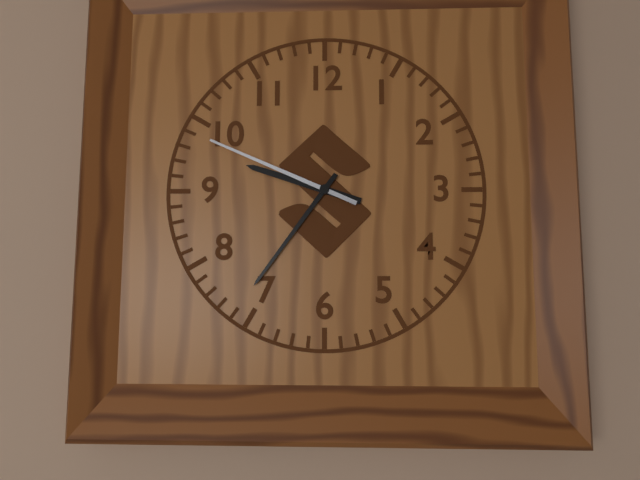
{"hour": 9, "minute": 36, "second": 49}
